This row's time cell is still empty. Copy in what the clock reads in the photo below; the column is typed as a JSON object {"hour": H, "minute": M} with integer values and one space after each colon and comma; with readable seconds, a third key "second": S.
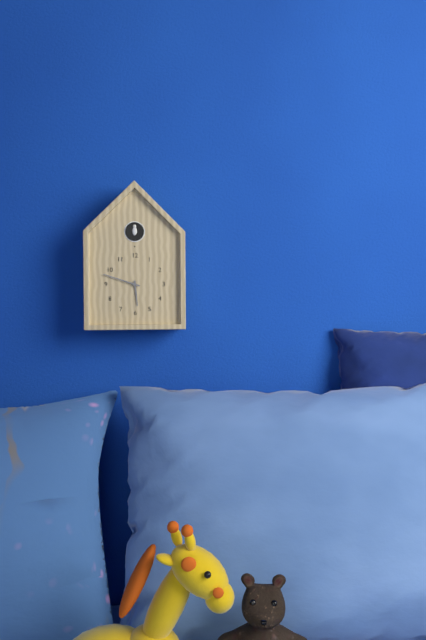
{"hour": 5, "minute": 48}
